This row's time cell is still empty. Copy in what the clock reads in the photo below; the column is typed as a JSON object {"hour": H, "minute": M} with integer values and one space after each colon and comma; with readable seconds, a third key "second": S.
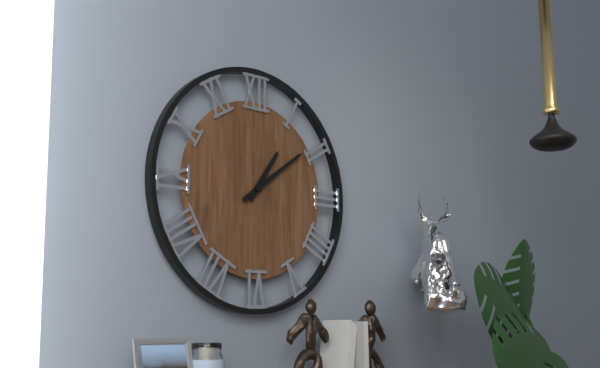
{"hour": 1, "minute": 9}
